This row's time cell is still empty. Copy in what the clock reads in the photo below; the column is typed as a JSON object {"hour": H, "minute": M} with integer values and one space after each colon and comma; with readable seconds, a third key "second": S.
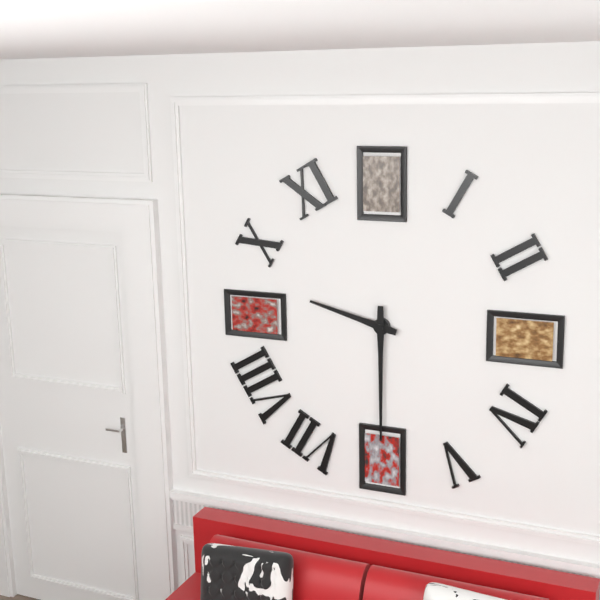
{"hour": 9, "minute": 30}
